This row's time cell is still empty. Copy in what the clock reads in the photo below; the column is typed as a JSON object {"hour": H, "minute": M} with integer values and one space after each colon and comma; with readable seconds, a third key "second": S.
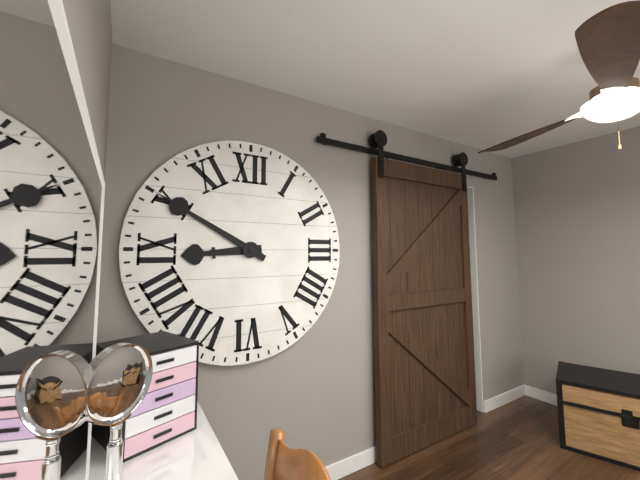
{"hour": 8, "minute": 50}
